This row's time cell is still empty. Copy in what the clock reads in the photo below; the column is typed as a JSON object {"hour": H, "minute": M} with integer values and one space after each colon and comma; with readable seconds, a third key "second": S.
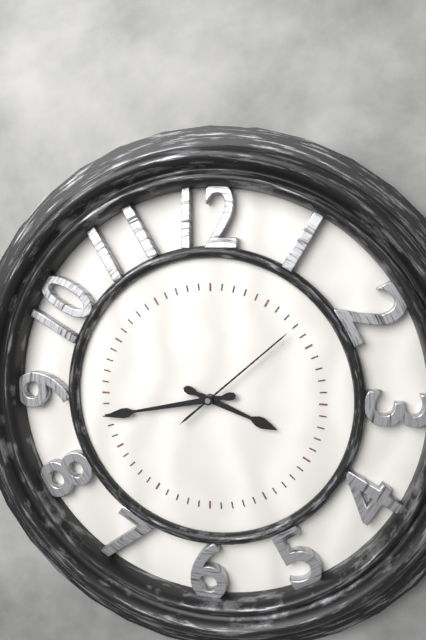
{"hour": 3, "minute": 43, "second": 8}
